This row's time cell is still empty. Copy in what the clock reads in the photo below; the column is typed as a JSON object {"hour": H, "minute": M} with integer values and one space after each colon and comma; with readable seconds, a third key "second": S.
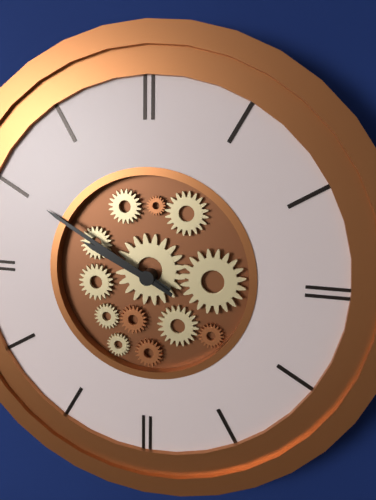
{"hour": 9, "minute": 50}
